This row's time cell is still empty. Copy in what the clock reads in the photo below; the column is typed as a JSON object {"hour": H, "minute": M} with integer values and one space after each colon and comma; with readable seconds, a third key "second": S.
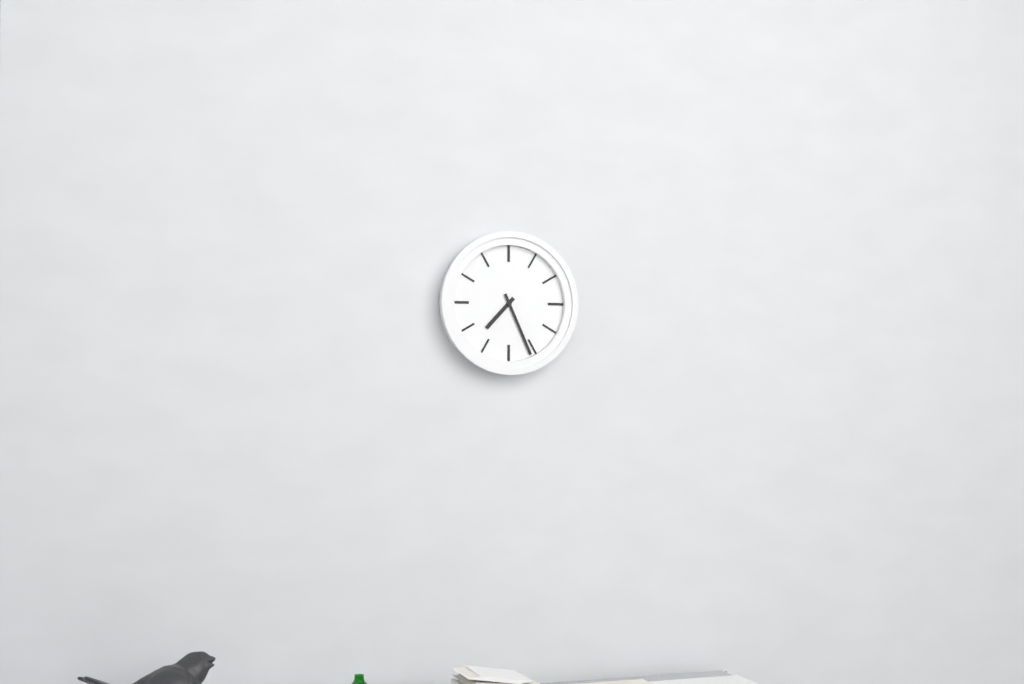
{"hour": 7, "minute": 26}
